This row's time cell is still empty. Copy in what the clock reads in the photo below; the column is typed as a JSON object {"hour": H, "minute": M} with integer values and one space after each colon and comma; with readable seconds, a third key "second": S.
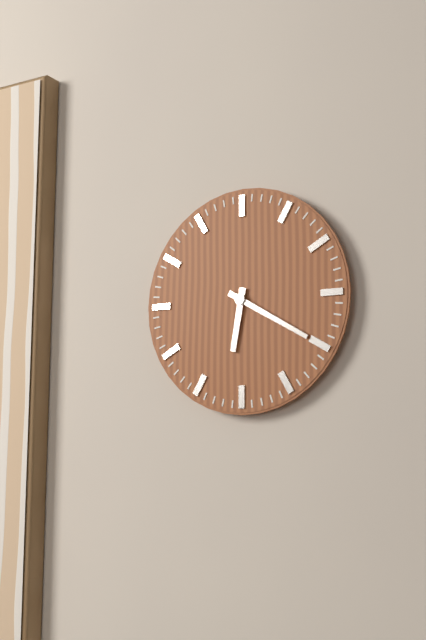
{"hour": 6, "minute": 20}
